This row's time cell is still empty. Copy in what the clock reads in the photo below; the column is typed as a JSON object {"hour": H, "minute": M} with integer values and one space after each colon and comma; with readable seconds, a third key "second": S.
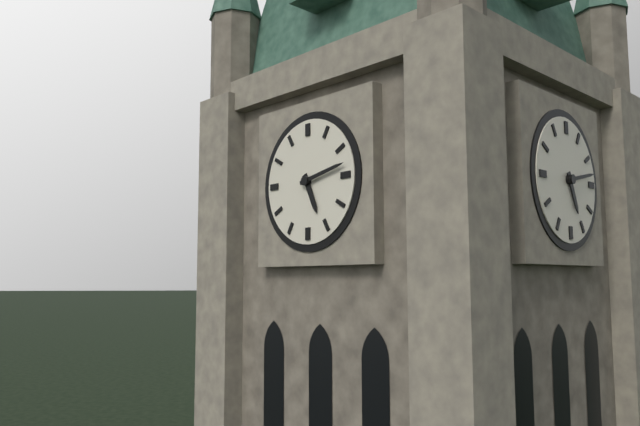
{"hour": 5, "minute": 13}
